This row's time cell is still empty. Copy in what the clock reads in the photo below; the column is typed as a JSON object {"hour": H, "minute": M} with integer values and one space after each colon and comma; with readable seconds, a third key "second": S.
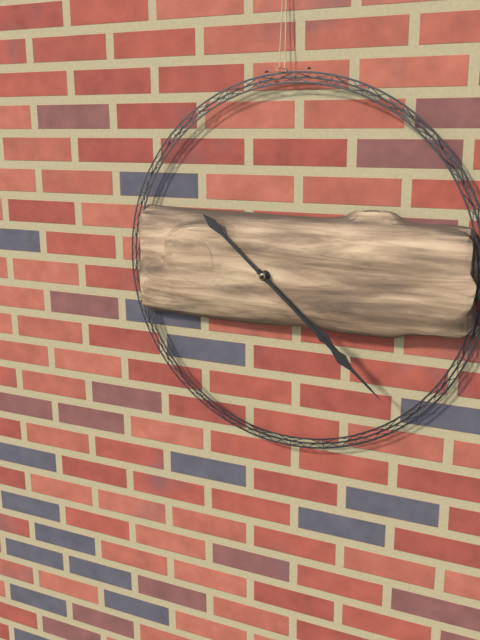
{"hour": 4, "minute": 22}
